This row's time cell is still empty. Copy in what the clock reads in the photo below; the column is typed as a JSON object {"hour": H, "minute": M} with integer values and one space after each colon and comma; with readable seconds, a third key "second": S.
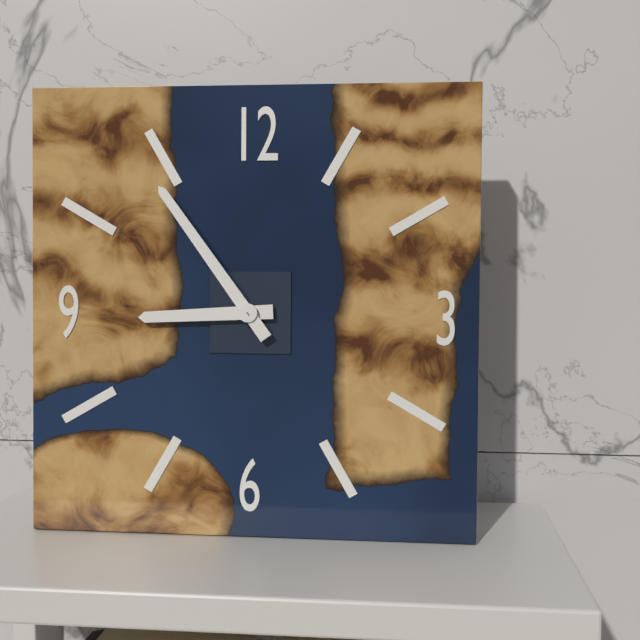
{"hour": 8, "minute": 54}
